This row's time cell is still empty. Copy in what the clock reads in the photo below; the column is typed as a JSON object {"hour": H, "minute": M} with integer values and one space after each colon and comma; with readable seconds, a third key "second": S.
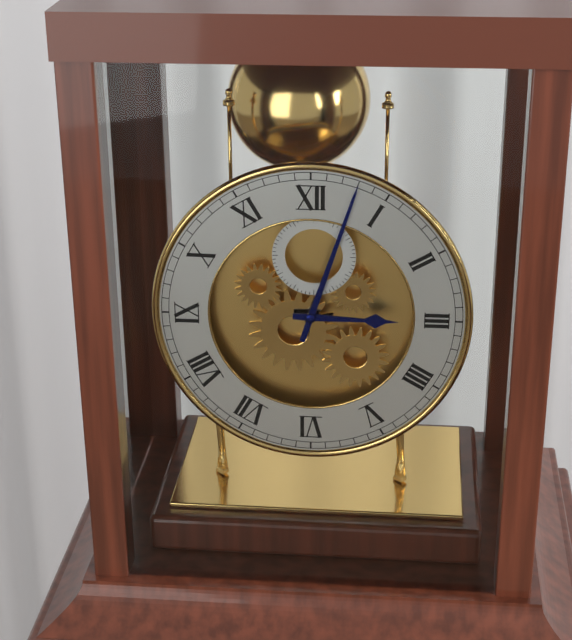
{"hour": 3, "minute": 3}
